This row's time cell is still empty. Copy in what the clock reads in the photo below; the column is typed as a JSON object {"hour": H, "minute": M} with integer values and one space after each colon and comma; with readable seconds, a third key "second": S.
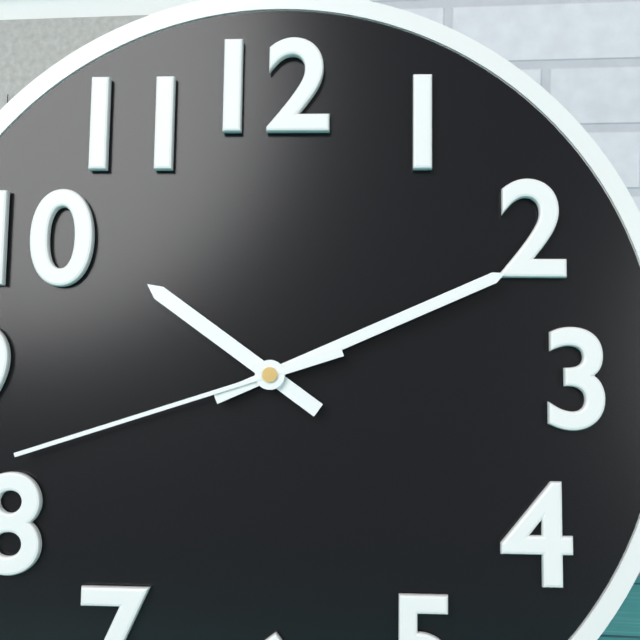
{"hour": 10, "minute": 11, "second": 42}
